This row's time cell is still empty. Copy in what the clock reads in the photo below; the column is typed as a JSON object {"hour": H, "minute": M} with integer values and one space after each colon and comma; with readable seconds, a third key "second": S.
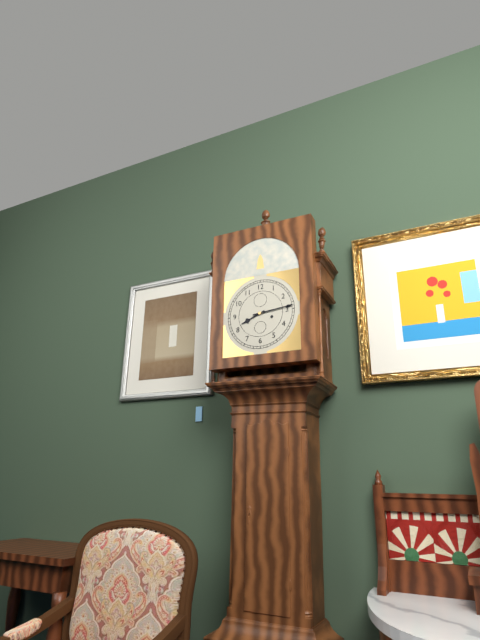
{"hour": 8, "minute": 14}
